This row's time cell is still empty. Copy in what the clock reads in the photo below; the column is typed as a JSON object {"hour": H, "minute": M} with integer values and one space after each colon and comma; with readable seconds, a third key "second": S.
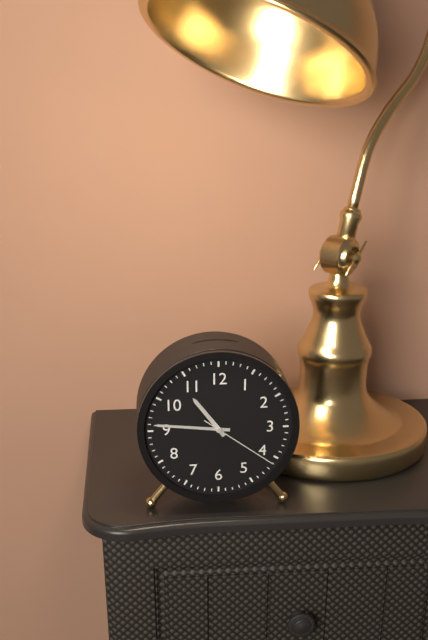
{"hour": 10, "minute": 46, "second": 21}
